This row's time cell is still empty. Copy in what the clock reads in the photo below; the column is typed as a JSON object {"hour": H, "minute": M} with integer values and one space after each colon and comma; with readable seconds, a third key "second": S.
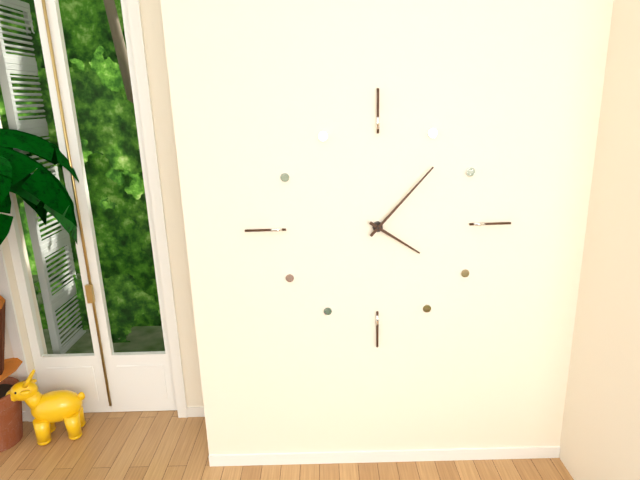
{"hour": 4, "minute": 7}
